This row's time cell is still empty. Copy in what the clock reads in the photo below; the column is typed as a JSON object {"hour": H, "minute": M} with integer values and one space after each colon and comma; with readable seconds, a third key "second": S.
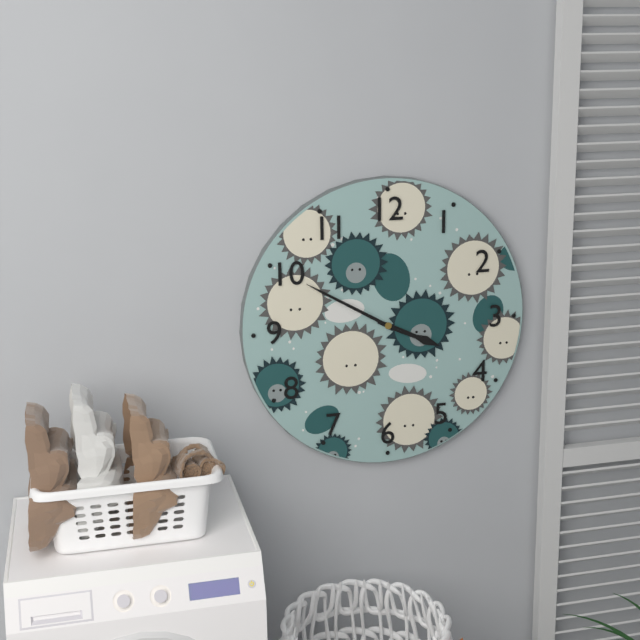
{"hour": 3, "minute": 50}
